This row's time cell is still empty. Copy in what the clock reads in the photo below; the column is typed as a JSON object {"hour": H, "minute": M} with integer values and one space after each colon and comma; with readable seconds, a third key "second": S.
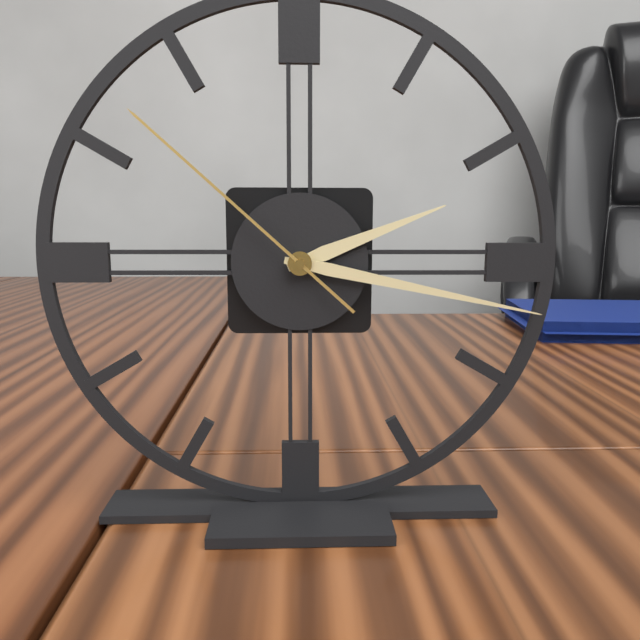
{"hour": 2, "minute": 17, "second": 52}
